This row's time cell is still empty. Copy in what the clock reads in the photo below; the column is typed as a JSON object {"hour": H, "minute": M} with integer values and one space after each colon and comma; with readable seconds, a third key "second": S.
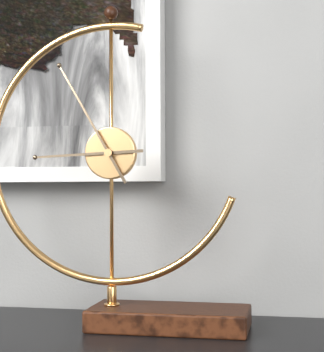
{"hour": 8, "minute": 55}
